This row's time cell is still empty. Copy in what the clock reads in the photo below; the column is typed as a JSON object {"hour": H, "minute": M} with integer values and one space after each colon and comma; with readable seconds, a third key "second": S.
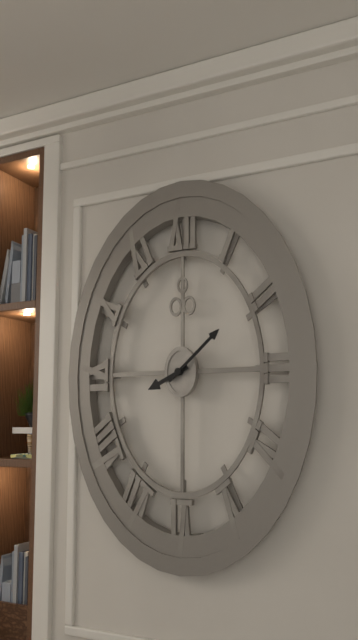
{"hour": 8, "minute": 8}
